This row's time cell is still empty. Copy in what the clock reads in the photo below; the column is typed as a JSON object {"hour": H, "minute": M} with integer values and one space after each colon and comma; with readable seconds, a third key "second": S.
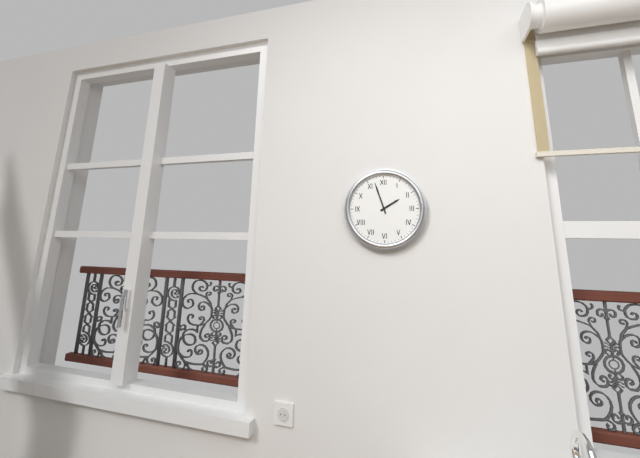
{"hour": 1, "minute": 57}
